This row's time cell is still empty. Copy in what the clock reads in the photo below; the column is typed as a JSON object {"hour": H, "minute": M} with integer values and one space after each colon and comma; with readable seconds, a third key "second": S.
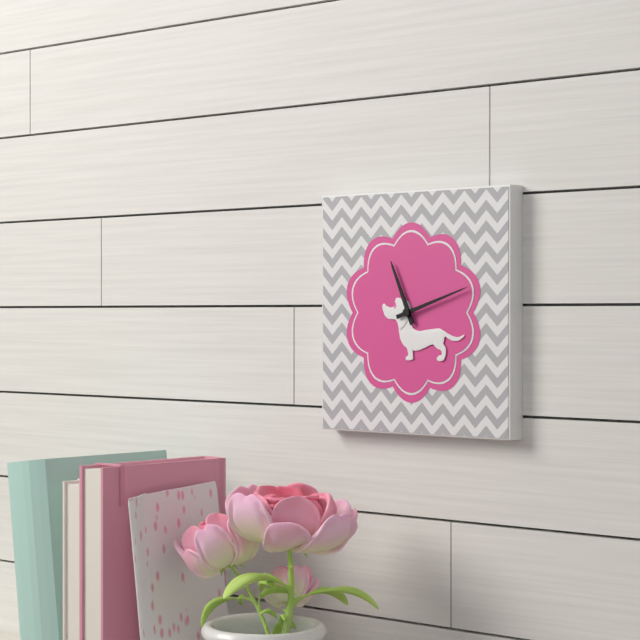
{"hour": 11, "minute": 12}
